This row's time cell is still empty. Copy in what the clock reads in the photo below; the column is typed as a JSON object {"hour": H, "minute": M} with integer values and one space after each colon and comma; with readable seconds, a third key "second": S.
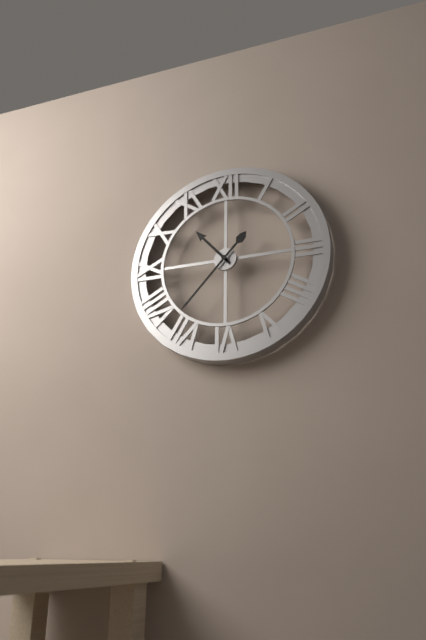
{"hour": 10, "minute": 37}
